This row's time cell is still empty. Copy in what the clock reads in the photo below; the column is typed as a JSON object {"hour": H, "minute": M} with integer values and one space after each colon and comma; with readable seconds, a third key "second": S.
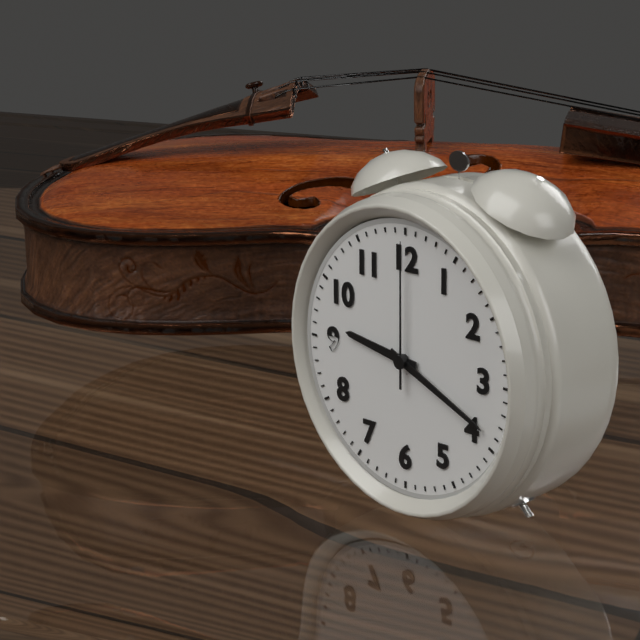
{"hour": 9, "minute": 19, "second": 0}
